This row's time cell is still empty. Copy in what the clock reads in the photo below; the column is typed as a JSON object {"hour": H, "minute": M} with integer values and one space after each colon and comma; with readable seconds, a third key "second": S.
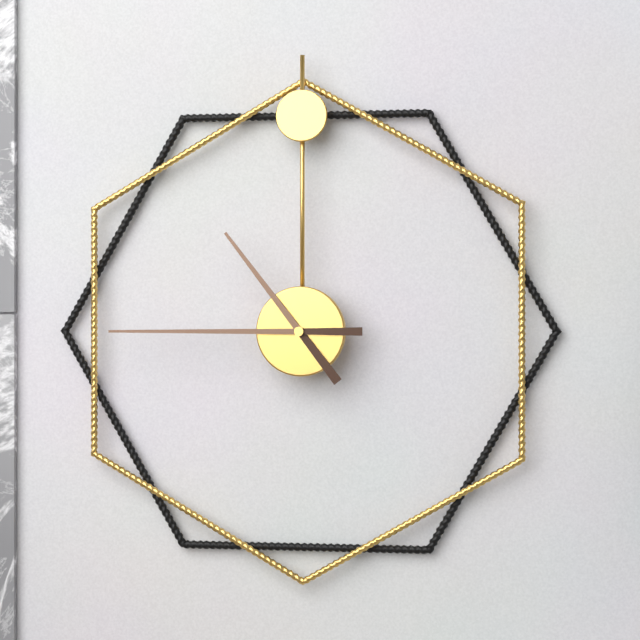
{"hour": 10, "minute": 45}
